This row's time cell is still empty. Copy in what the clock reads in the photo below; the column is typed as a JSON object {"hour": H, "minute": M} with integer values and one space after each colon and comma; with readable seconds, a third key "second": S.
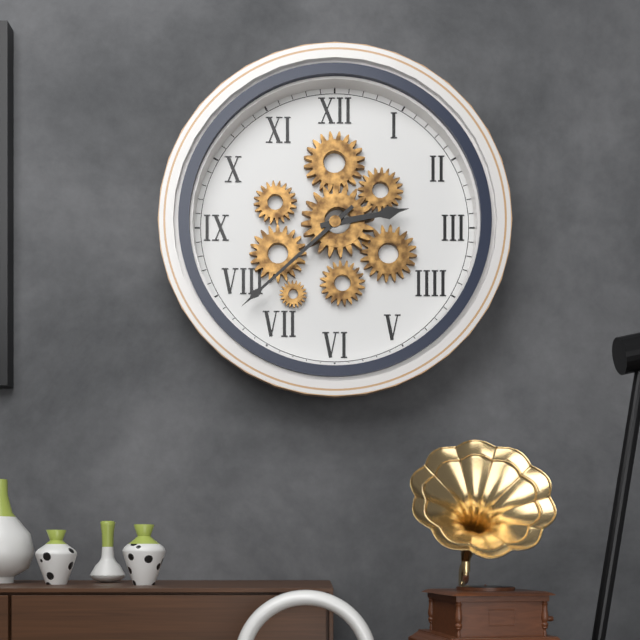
{"hour": 2, "minute": 38}
